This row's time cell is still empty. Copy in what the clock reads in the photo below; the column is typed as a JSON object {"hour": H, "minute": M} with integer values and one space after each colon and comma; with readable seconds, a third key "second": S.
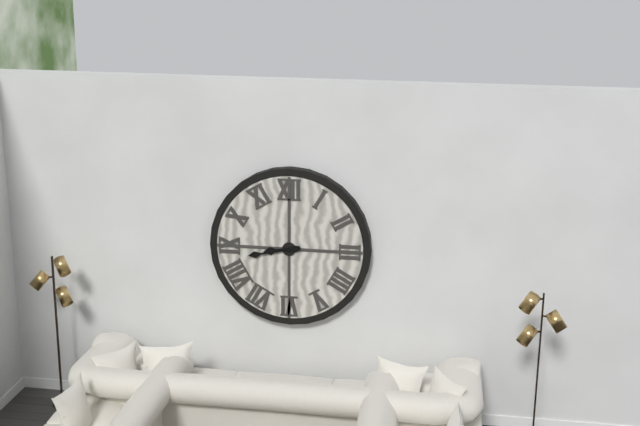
{"hour": 8, "minute": 43}
